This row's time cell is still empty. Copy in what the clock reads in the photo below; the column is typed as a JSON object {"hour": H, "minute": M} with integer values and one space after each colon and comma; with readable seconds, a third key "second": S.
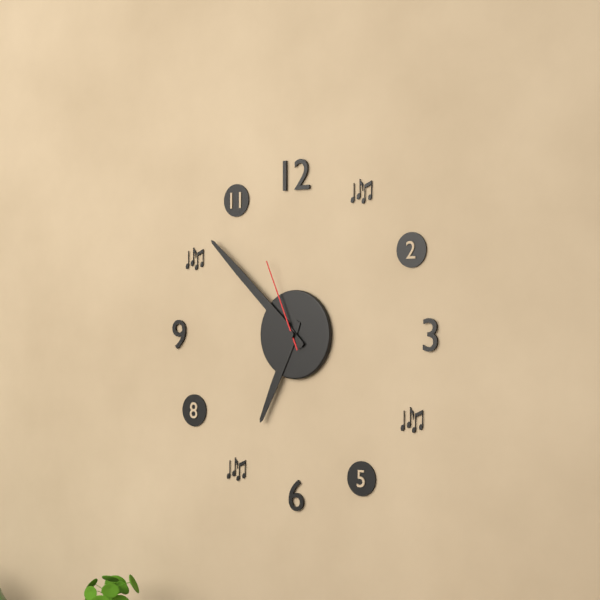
{"hour": 6, "minute": 52, "second": 56}
